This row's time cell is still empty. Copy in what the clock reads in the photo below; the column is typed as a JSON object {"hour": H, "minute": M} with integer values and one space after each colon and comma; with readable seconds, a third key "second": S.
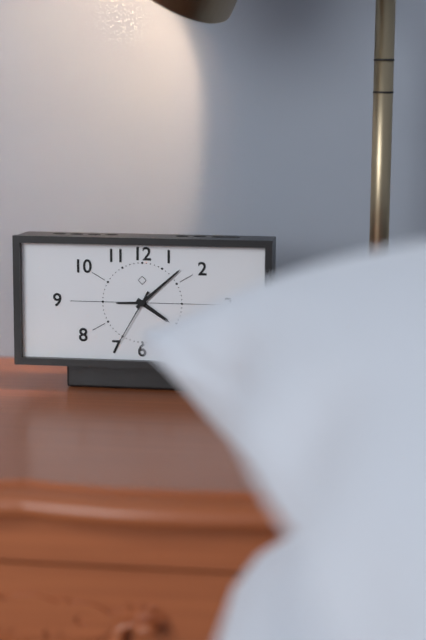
{"hour": 4, "minute": 8, "second": 35}
